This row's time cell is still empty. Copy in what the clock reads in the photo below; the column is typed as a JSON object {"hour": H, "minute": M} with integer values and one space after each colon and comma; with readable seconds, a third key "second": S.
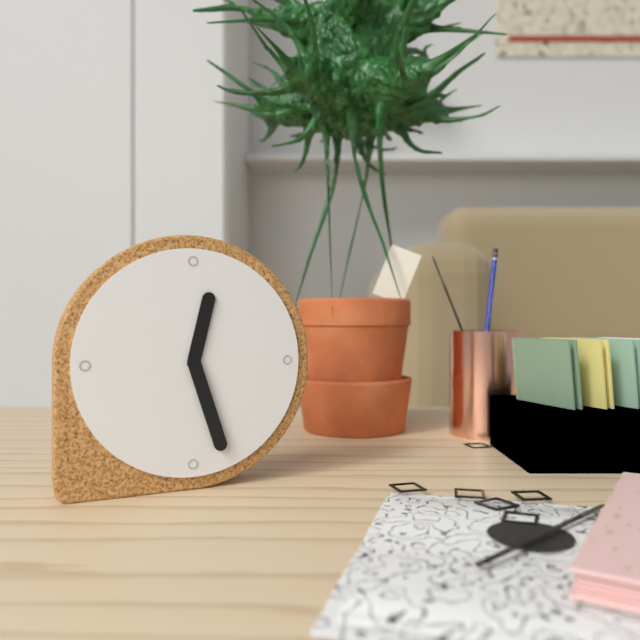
{"hour": 12, "minute": 27}
